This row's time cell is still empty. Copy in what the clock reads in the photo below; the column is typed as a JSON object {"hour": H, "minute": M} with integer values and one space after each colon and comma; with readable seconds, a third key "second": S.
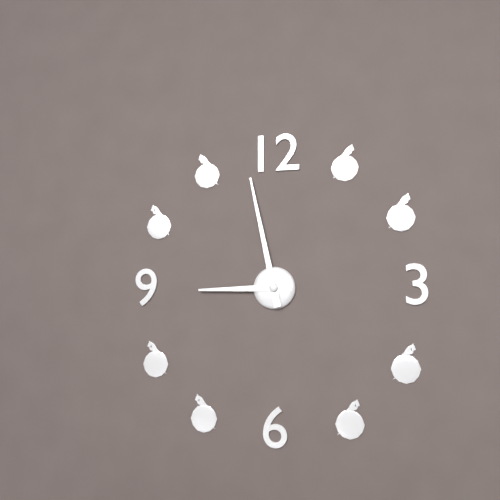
{"hour": 8, "minute": 58}
